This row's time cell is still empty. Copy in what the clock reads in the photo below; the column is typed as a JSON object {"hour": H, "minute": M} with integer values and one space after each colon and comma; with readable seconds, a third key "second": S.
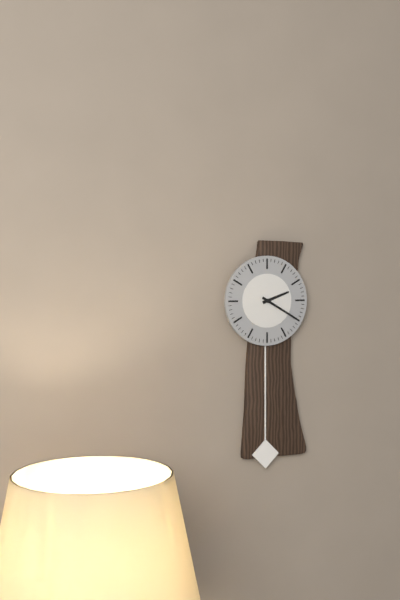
{"hour": 2, "minute": 20}
